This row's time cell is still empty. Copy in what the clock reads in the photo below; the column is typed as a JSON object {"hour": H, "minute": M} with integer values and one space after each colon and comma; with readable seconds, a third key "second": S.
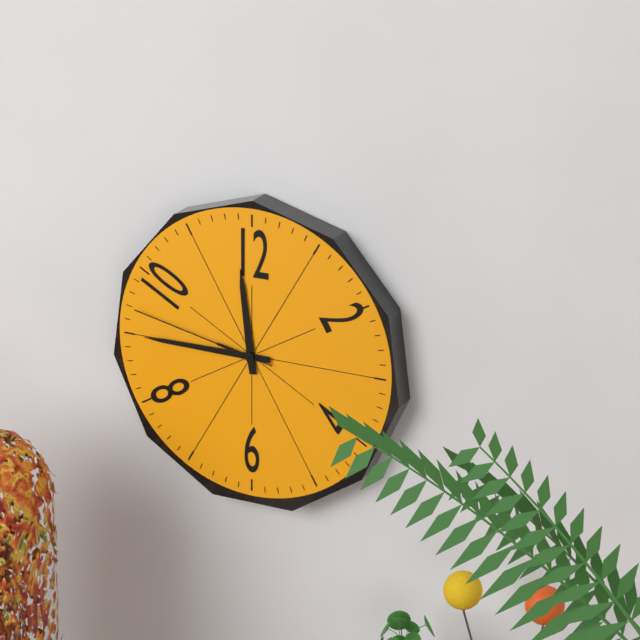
{"hour": 11, "minute": 45, "second": 47}
